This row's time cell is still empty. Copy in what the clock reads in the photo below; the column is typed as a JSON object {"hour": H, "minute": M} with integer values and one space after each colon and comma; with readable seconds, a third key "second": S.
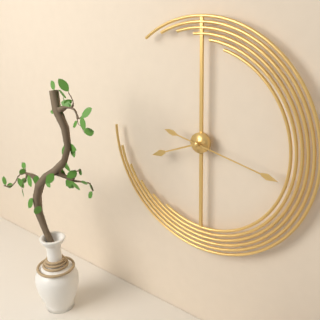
{"hour": 8, "minute": 17}
